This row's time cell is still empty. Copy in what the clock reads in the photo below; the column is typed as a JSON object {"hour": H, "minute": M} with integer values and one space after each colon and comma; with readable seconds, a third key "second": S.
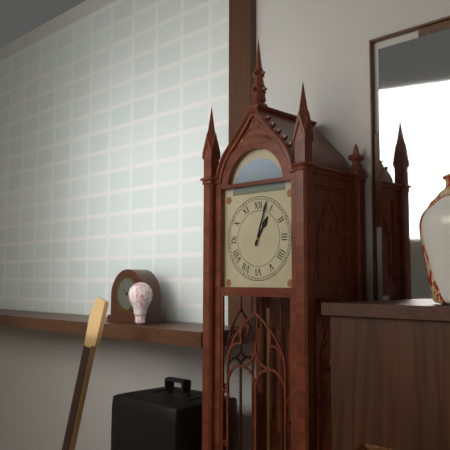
{"hour": 1, "minute": 3}
